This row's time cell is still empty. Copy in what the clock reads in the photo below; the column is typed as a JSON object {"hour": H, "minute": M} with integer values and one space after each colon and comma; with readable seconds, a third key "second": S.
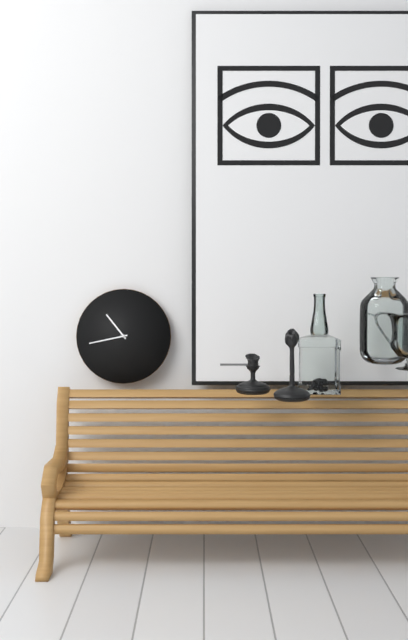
{"hour": 10, "minute": 43}
